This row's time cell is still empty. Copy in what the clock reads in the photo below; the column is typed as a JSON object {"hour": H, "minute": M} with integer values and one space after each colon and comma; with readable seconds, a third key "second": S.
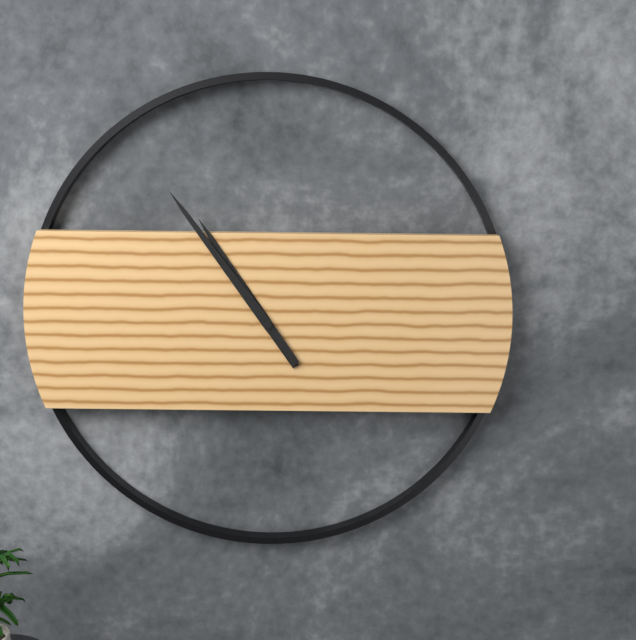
{"hour": 10, "minute": 54}
